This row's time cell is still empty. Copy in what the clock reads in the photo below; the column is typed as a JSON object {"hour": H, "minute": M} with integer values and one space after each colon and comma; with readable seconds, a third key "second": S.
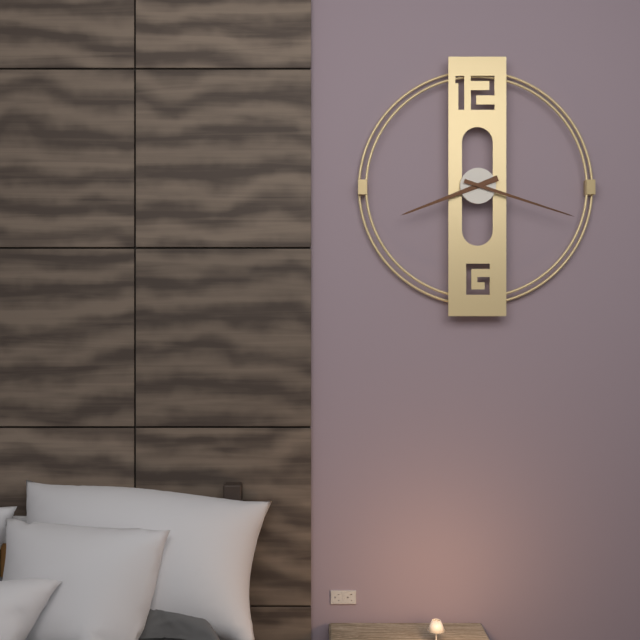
{"hour": 8, "minute": 18}
